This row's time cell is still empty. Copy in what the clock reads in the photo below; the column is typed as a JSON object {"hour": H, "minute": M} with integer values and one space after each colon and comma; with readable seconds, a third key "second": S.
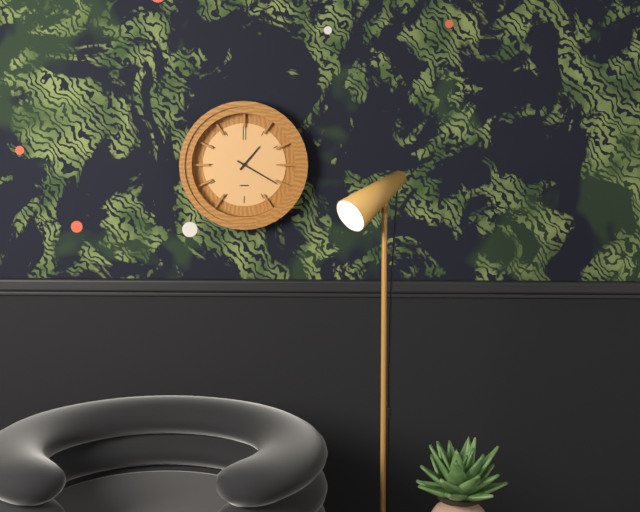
{"hour": 1, "minute": 20}
